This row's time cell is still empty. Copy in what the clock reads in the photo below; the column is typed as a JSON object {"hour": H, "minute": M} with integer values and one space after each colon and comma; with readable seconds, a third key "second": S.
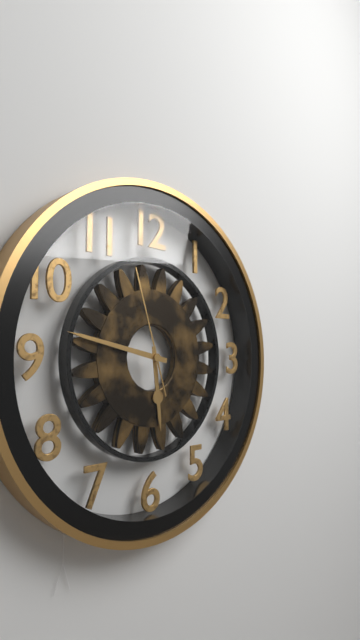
{"hour": 5, "minute": 47, "second": 57}
